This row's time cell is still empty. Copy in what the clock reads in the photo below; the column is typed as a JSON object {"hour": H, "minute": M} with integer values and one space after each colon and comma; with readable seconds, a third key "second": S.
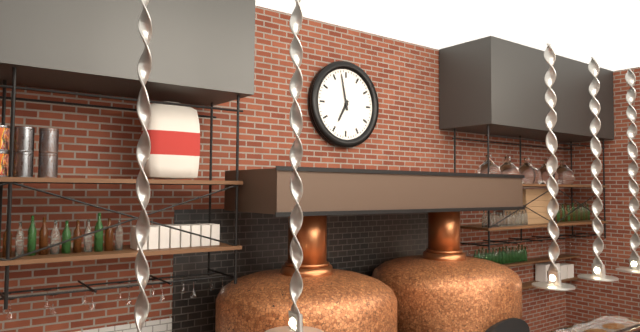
{"hour": 6, "minute": 58}
